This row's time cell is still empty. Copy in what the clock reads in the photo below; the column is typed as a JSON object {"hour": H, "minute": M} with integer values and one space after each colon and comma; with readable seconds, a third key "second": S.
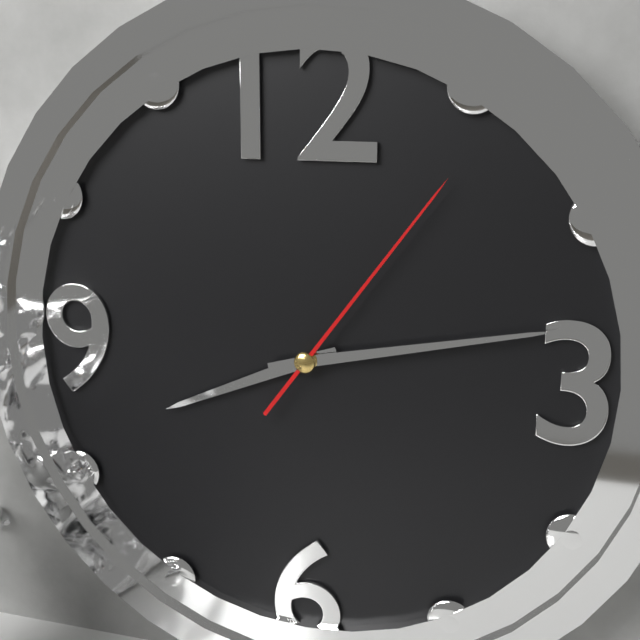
{"hour": 8, "minute": 13, "second": 6}
